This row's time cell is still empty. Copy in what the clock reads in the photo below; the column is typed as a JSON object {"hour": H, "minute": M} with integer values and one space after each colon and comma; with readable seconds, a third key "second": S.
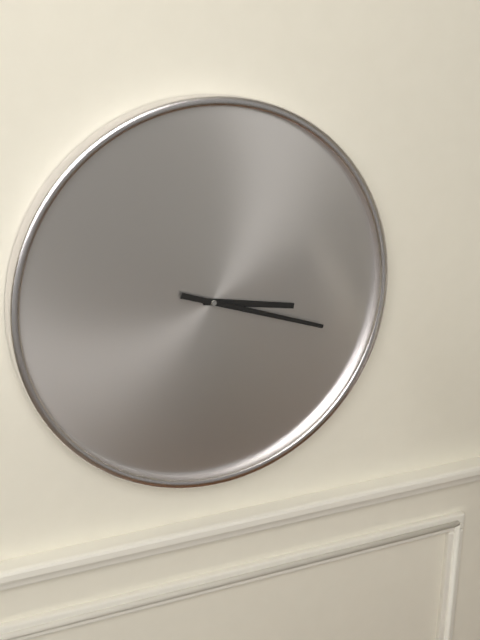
{"hour": 3, "minute": 18}
